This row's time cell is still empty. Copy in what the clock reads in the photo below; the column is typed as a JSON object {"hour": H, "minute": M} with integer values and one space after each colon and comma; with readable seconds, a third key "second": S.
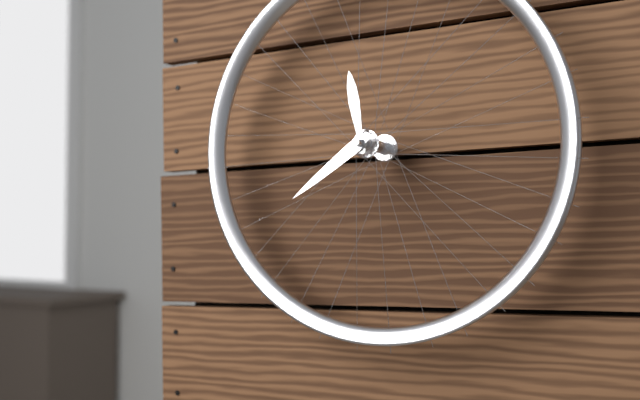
{"hour": 11, "minute": 39}
